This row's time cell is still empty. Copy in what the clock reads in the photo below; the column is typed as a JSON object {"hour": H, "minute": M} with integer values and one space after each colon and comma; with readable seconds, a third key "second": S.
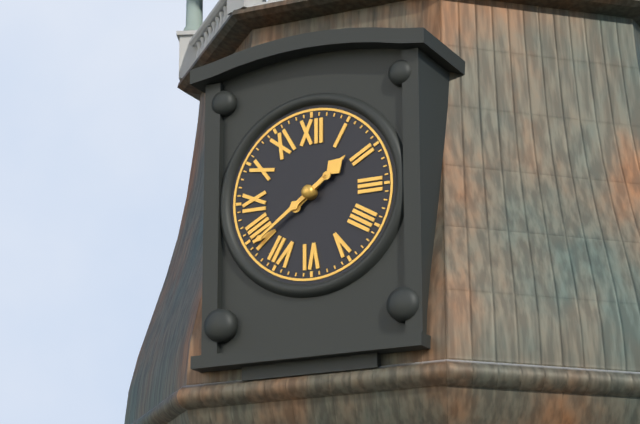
{"hour": 1, "minute": 39}
